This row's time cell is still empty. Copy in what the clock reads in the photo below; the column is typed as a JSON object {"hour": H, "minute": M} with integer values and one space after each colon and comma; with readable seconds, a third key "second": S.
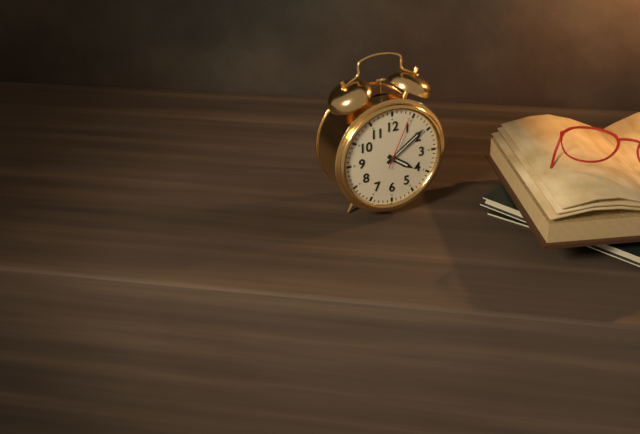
{"hour": 4, "minute": 9, "second": 4}
